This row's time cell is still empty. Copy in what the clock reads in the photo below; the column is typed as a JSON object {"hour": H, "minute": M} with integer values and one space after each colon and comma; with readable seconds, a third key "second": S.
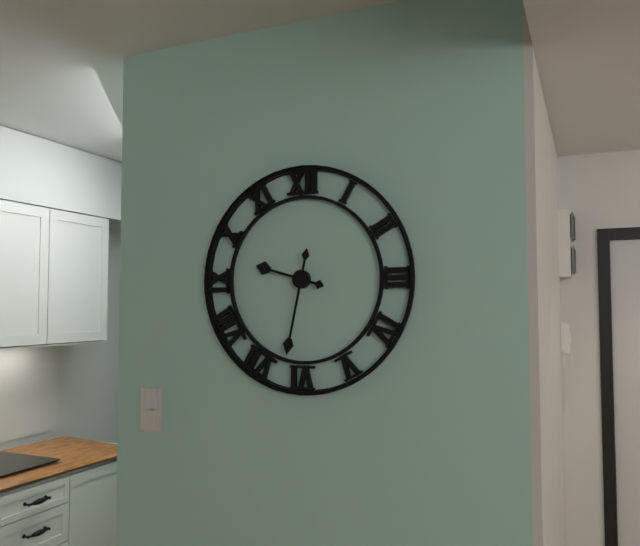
{"hour": 9, "minute": 32}
